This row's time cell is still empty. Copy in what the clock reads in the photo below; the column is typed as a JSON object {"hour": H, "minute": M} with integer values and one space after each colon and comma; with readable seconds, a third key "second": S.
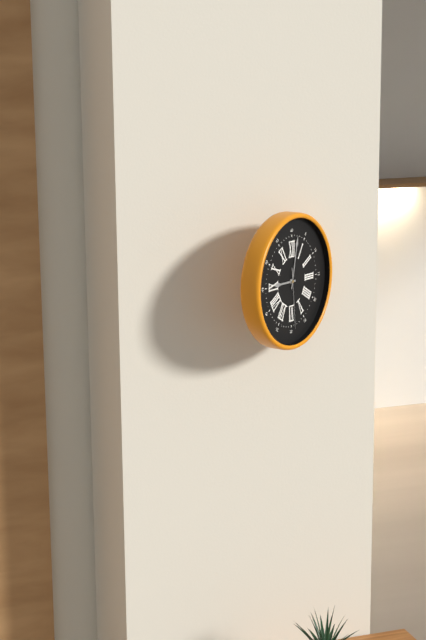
{"hour": 9, "minute": 2, "second": 29}
